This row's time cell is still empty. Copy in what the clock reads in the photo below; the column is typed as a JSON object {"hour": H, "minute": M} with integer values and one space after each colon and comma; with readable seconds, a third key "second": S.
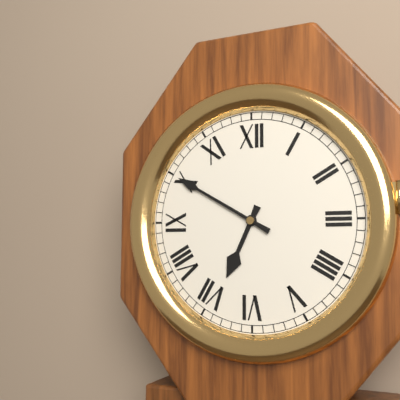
{"hour": 6, "minute": 50}
